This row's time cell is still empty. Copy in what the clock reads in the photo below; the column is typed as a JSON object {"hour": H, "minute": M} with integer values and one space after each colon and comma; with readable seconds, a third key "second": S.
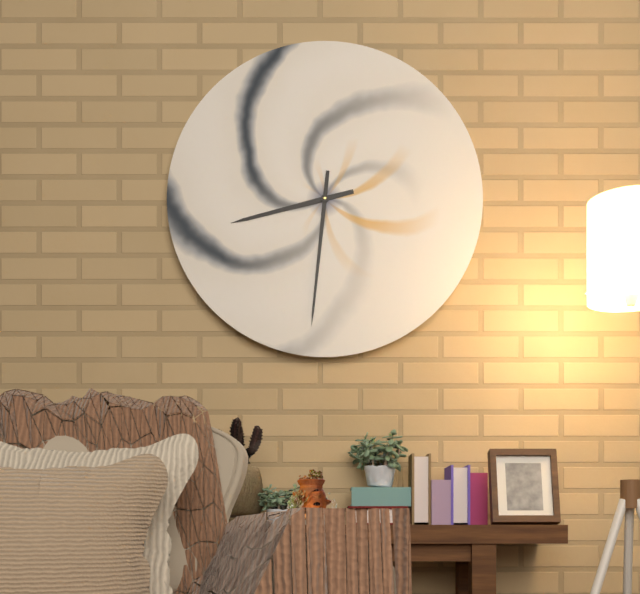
{"hour": 8, "minute": 31}
